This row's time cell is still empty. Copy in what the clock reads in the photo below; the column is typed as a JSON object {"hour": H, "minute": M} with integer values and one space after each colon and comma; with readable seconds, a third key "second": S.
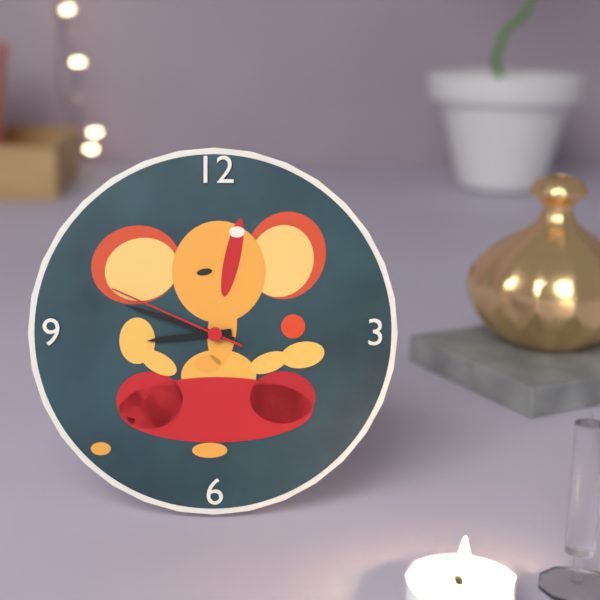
{"hour": 8, "minute": 48, "second": 49}
